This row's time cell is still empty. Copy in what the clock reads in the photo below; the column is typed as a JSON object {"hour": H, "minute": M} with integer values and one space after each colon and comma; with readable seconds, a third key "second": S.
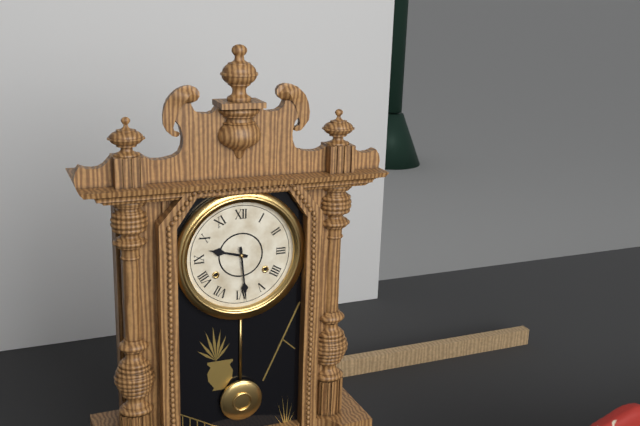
{"hour": 9, "minute": 29}
